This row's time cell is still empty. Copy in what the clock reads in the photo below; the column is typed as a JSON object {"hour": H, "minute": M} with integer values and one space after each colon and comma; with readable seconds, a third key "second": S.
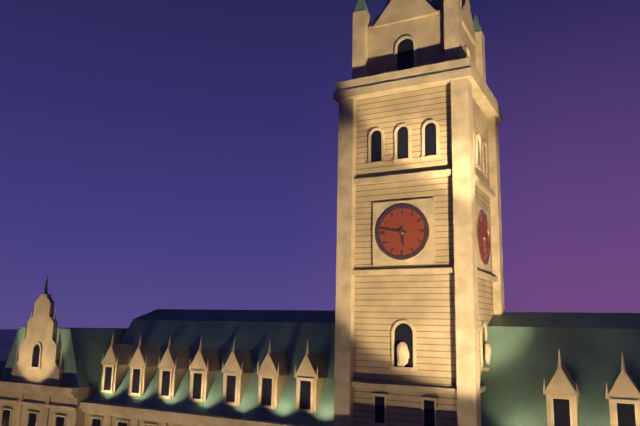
{"hour": 5, "minute": 47}
